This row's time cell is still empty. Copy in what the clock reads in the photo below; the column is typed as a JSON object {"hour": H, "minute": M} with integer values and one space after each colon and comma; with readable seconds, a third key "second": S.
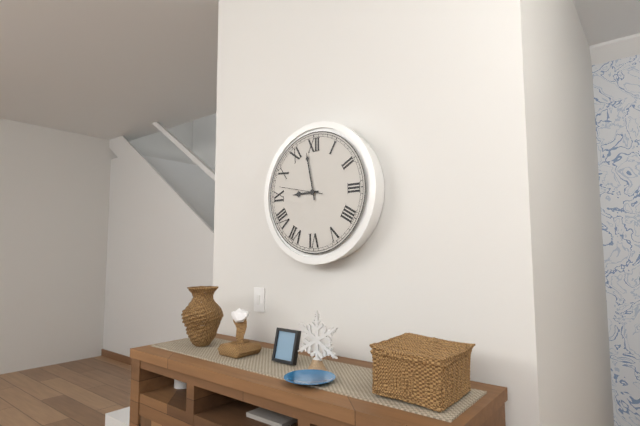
{"hour": 8, "minute": 58}
